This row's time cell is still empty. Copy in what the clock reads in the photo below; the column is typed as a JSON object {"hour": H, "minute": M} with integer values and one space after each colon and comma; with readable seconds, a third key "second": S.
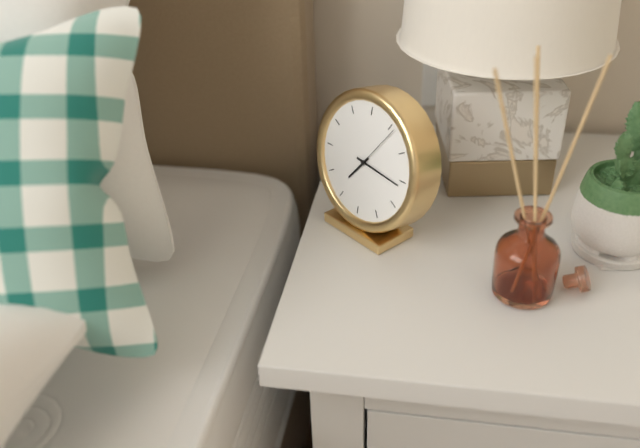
{"hour": 7, "minute": 16, "second": 6}
